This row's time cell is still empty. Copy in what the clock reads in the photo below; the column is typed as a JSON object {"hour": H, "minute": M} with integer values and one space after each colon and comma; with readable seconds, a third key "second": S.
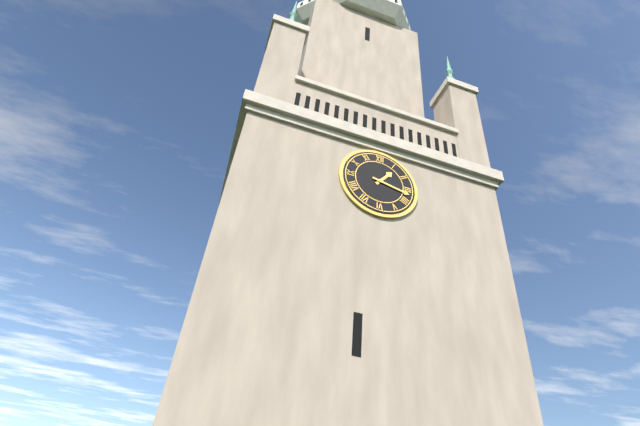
{"hour": 1, "minute": 17}
